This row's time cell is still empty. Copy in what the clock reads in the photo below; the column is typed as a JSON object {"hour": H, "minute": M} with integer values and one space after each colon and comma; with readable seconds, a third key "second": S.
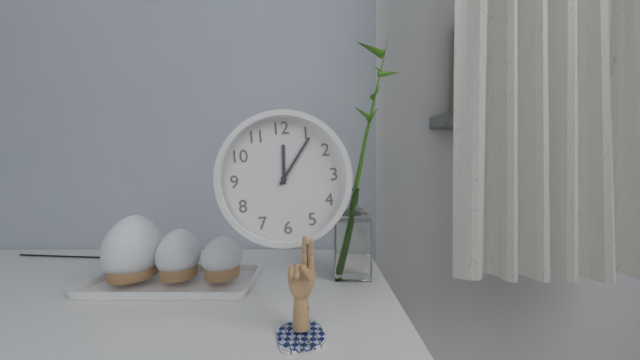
{"hour": 12, "minute": 6}
